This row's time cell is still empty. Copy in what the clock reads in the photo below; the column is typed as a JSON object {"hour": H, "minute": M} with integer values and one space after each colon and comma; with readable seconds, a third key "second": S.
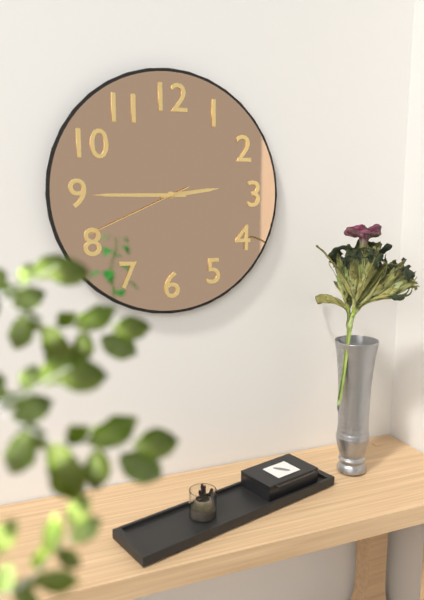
{"hour": 2, "minute": 45, "second": 41}
